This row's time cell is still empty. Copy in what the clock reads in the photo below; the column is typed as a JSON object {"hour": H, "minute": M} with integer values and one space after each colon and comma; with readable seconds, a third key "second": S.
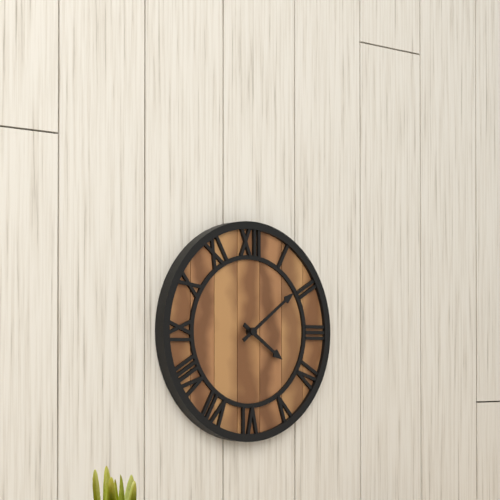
{"hour": 4, "minute": 9}
